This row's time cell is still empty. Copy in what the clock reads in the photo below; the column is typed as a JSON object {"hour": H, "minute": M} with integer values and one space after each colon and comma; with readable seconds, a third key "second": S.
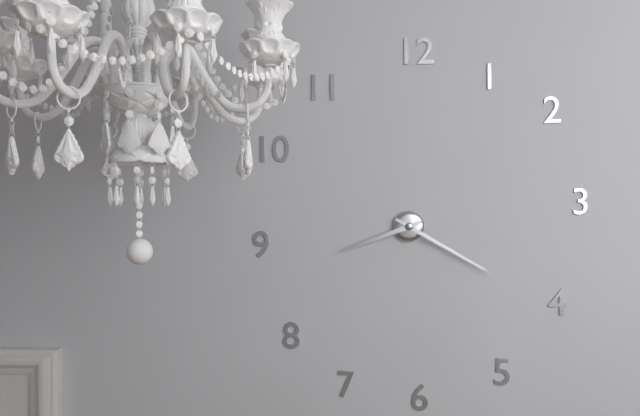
{"hour": 8, "minute": 20}
